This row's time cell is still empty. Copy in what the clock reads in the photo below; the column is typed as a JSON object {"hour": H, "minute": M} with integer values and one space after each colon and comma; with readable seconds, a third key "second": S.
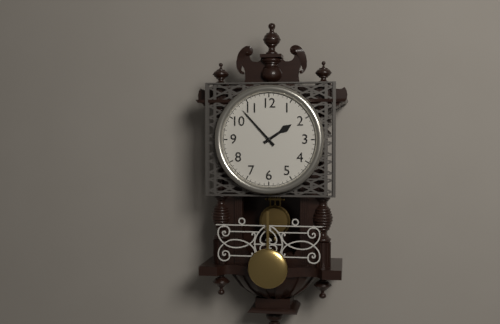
{"hour": 1, "minute": 53}
